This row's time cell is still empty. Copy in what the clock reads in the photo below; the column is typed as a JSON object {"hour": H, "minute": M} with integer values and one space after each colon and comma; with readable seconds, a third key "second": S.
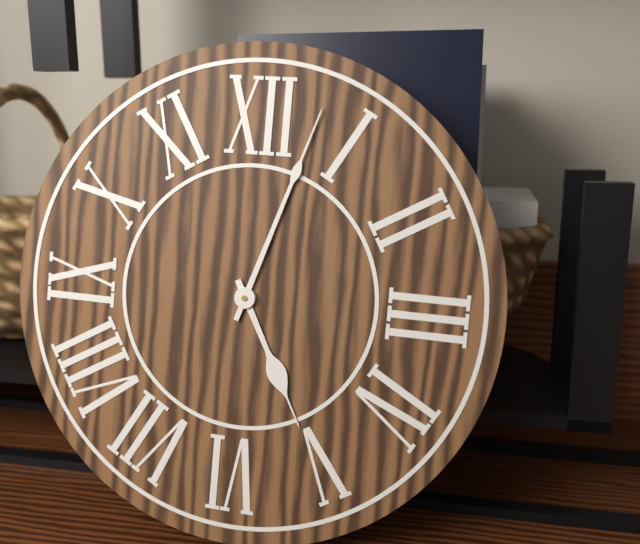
{"hour": 5, "minute": 3}
